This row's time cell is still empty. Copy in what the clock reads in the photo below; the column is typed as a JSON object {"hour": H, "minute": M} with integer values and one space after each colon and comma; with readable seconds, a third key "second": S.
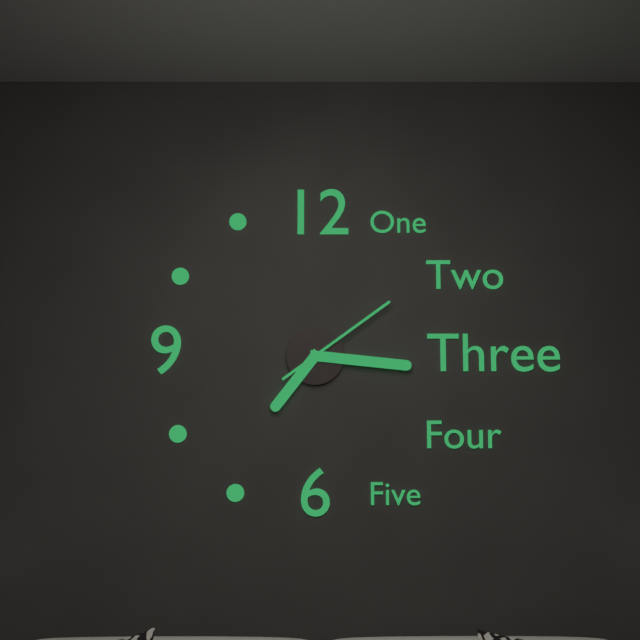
{"hour": 7, "minute": 16, "second": 9}
